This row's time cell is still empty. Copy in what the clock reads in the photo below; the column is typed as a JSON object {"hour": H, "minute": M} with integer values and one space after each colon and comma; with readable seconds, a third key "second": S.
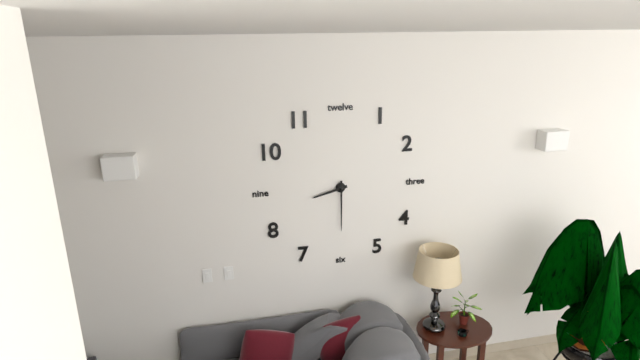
{"hour": 8, "minute": 30}
